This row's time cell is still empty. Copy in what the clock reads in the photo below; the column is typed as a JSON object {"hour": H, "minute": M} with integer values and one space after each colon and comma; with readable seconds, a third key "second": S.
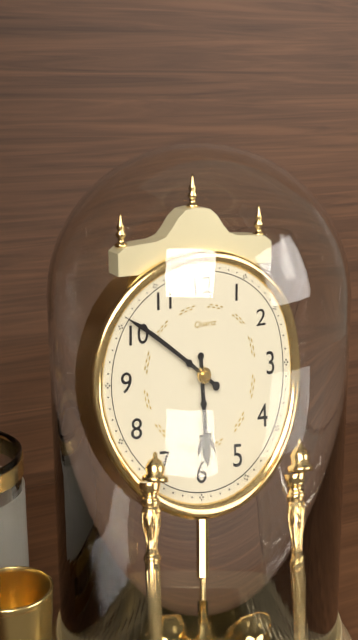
{"hour": 5, "minute": 51}
